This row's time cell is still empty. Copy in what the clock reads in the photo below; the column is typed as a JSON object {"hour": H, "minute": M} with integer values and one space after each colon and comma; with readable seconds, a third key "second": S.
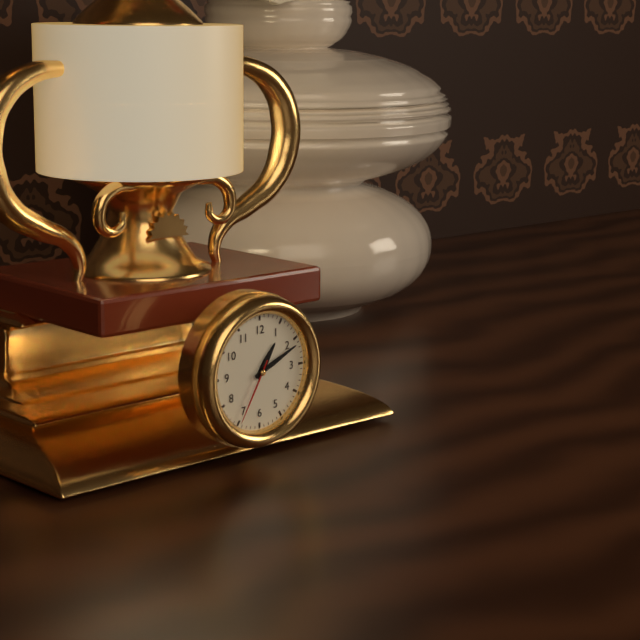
{"hour": 1, "minute": 11, "second": 35}
